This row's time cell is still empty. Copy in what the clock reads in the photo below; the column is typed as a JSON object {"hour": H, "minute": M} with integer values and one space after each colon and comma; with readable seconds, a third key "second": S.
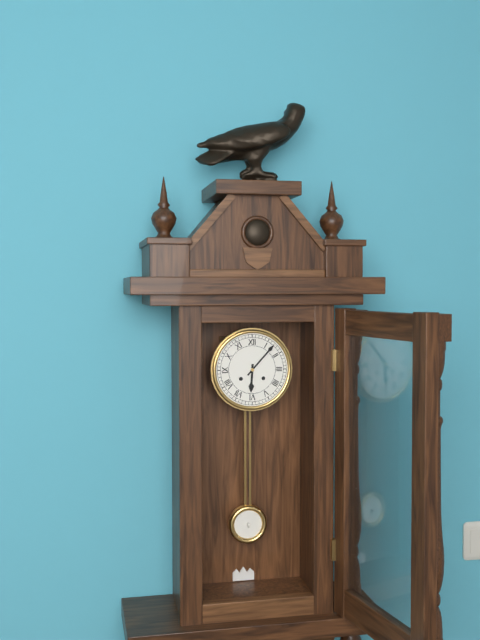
{"hour": 6, "minute": 7}
